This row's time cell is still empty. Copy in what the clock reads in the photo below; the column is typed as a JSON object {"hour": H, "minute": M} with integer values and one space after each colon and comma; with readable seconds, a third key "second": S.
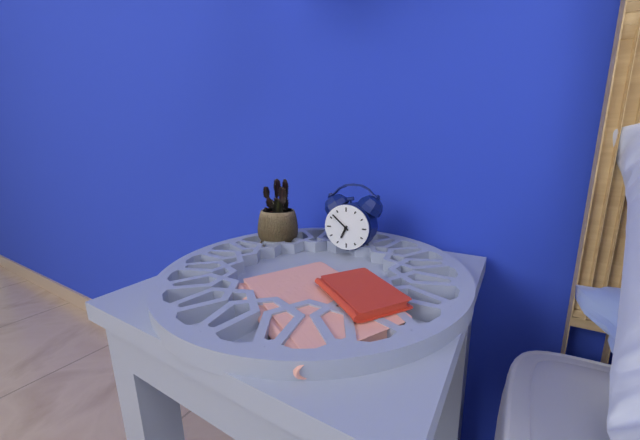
{"hour": 6, "minute": 52}
